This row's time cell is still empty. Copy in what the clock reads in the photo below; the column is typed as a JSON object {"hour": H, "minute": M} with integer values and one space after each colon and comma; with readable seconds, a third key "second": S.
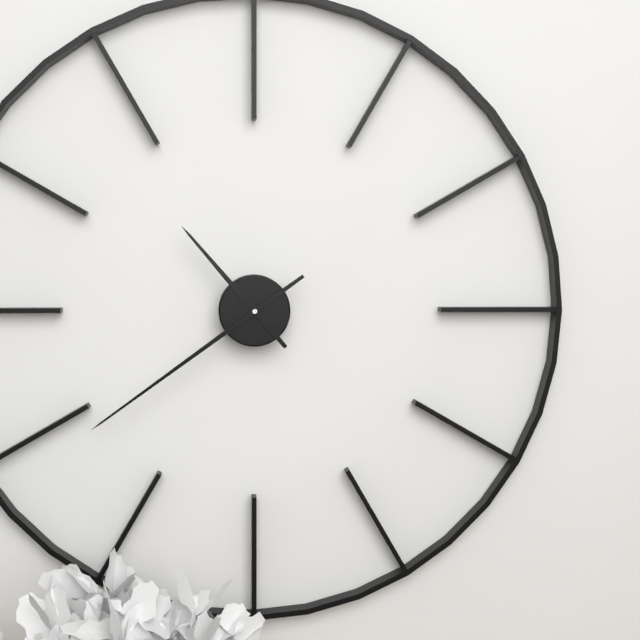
{"hour": 10, "minute": 39}
